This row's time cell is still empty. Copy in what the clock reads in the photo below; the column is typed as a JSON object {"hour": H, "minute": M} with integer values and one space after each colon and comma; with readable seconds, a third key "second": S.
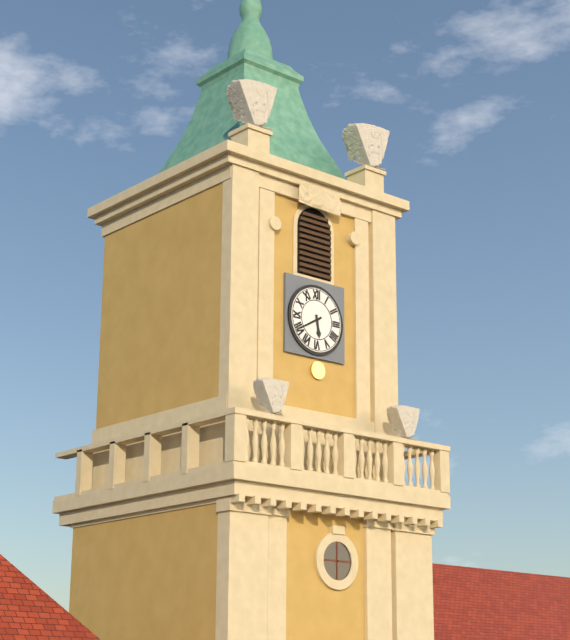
{"hour": 5, "minute": 40}
